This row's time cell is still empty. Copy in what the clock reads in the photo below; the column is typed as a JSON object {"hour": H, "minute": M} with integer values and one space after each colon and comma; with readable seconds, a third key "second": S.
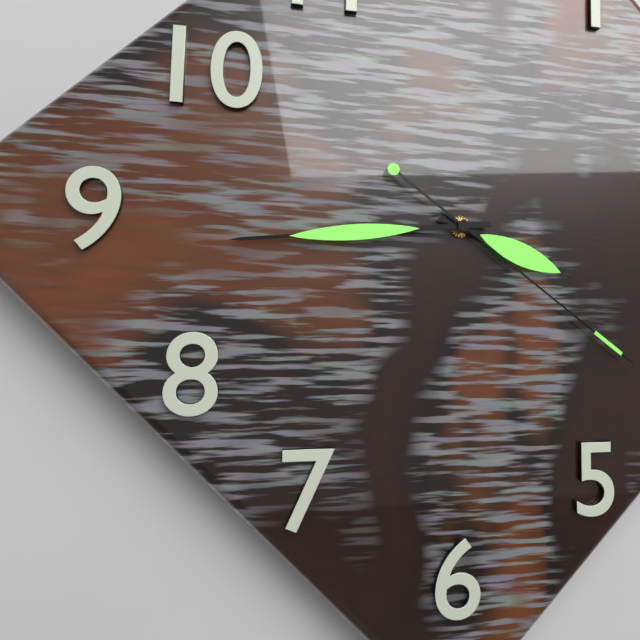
{"hour": 3, "minute": 44, "second": 21}
